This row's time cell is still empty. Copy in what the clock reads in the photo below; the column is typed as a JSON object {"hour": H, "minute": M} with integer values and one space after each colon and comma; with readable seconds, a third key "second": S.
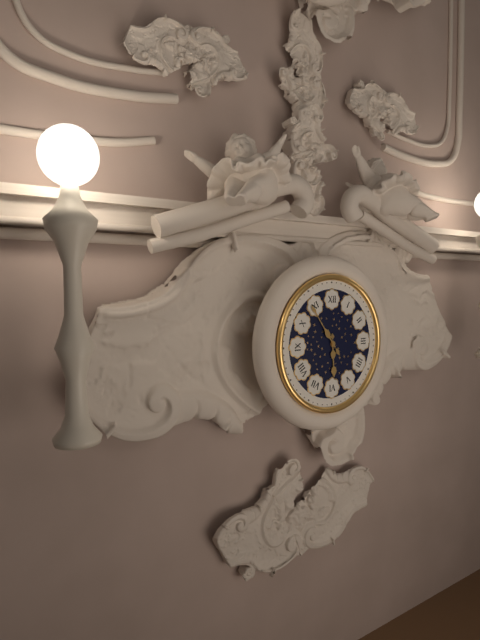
{"hour": 5, "minute": 54}
